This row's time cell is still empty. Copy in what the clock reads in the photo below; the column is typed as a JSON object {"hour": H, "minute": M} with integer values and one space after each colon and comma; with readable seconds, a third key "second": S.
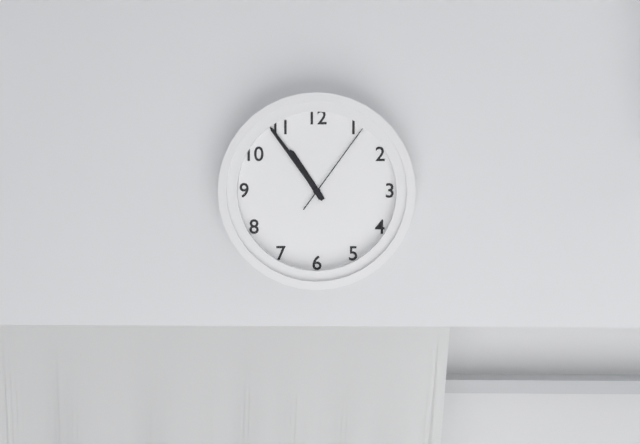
{"hour": 10, "minute": 54, "second": 6}
